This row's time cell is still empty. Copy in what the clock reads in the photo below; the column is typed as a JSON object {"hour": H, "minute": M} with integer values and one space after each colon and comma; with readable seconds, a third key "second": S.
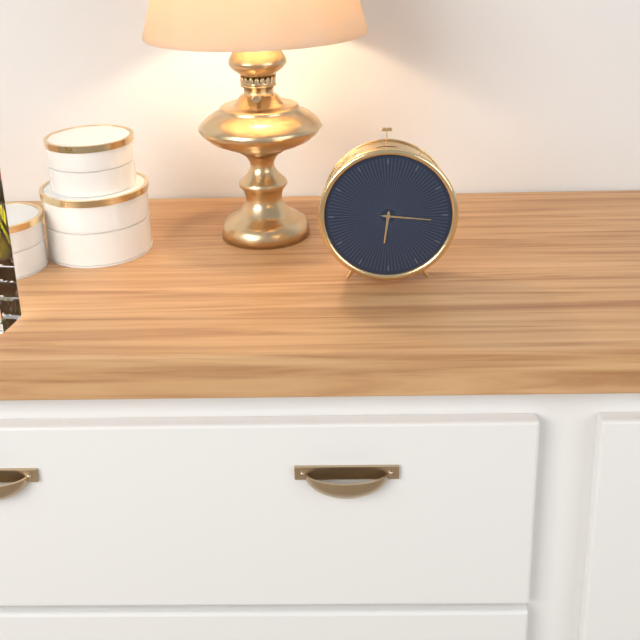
{"hour": 6, "minute": 16}
